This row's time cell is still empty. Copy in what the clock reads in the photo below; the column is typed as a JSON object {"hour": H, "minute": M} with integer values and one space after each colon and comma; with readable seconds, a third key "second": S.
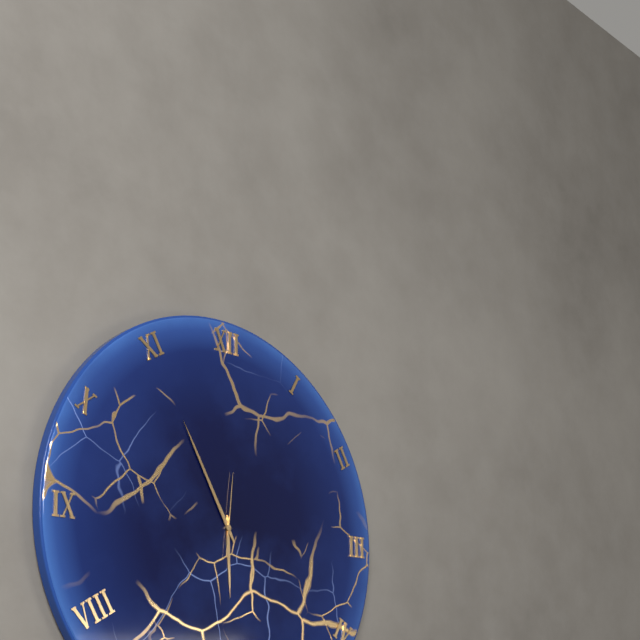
{"hour": 5, "minute": 55, "second": 1}
